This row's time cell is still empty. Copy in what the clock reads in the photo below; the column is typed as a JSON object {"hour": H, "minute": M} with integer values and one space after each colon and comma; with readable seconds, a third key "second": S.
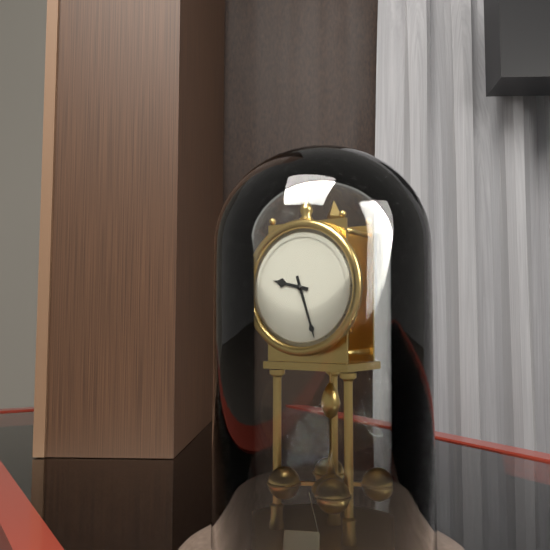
{"hour": 9, "minute": 27}
